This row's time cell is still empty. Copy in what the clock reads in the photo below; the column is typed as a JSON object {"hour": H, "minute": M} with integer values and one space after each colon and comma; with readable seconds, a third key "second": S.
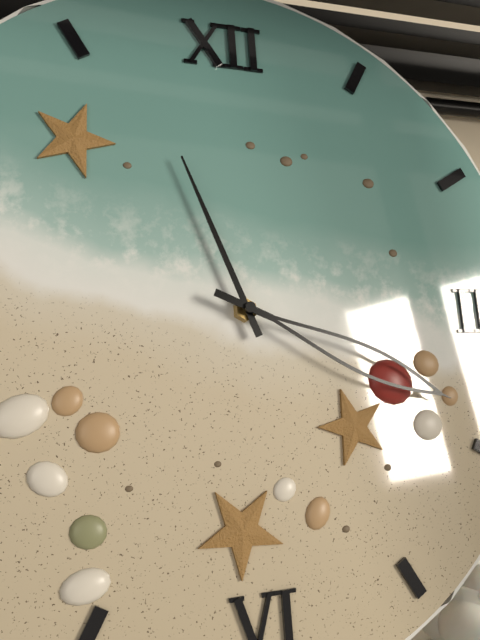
{"hour": 11, "minute": 19}
